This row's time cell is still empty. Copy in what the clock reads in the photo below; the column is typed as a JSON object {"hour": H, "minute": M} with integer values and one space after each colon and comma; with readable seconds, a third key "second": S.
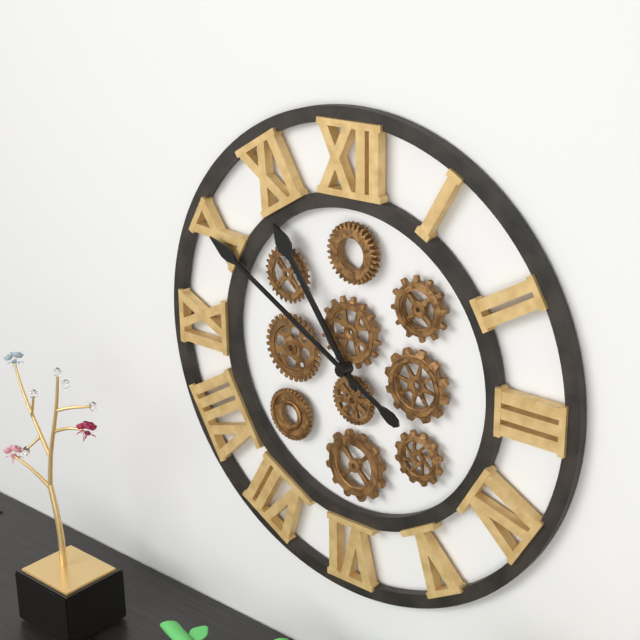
{"hour": 10, "minute": 50}
